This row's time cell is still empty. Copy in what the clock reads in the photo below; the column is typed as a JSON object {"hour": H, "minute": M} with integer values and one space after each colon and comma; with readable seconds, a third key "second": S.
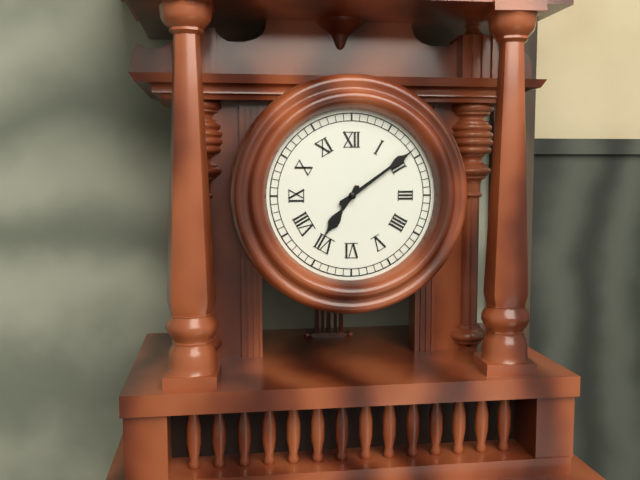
{"hour": 7, "minute": 9}
